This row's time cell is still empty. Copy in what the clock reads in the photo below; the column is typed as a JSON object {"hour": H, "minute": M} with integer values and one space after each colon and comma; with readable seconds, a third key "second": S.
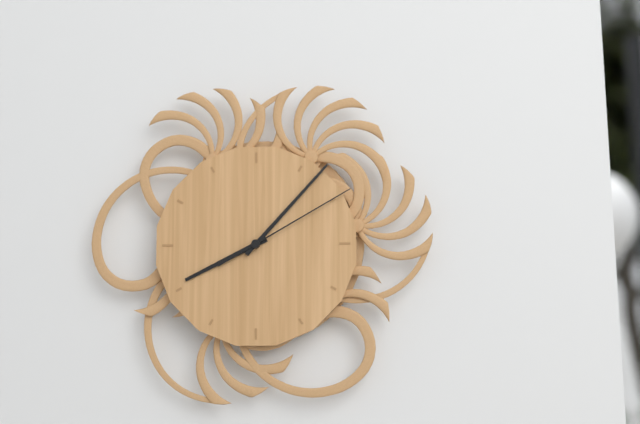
{"hour": 8, "minute": 7, "second": 10}
